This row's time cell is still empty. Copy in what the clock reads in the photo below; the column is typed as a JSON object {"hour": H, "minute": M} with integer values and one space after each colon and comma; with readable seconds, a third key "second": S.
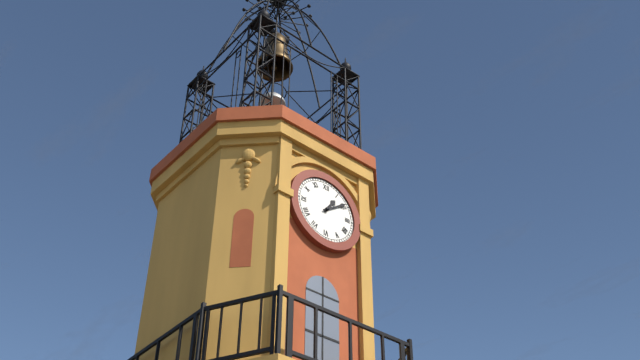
{"hour": 1, "minute": 9}
